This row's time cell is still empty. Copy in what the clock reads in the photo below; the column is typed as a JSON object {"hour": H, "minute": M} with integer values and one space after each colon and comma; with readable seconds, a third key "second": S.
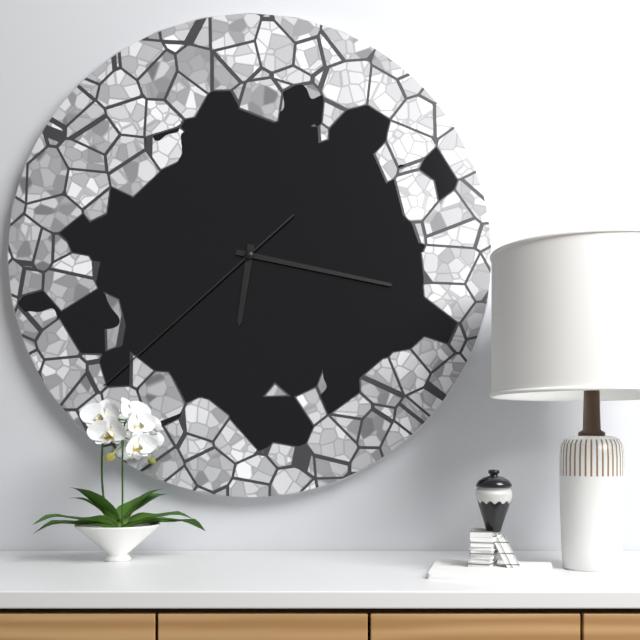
{"hour": 6, "minute": 17, "second": 38}
